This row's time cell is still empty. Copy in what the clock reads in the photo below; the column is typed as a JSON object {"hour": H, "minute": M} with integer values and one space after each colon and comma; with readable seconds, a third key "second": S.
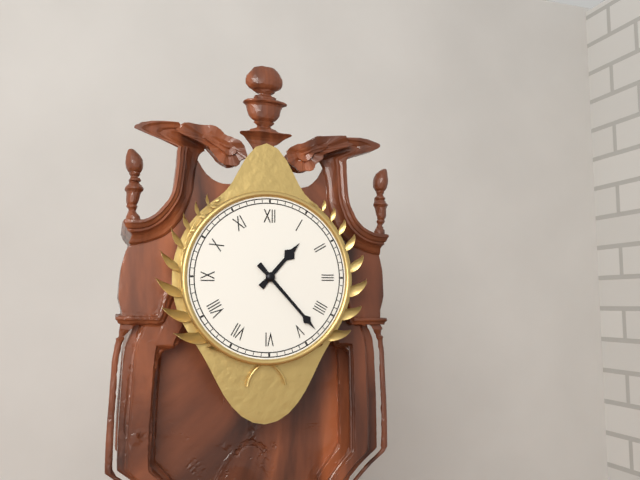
{"hour": 1, "minute": 23}
